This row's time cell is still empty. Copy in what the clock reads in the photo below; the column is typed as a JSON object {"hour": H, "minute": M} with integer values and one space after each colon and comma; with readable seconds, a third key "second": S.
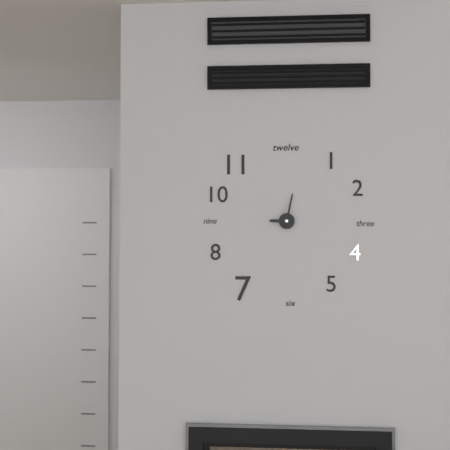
{"hour": 9, "minute": 2}
